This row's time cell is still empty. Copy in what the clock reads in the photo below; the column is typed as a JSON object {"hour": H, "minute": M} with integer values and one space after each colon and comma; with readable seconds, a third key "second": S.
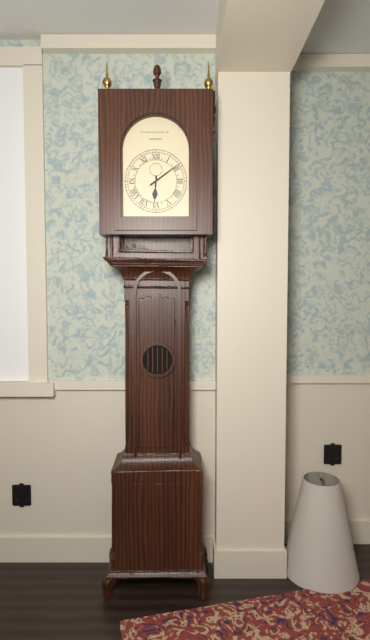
{"hour": 6, "minute": 9}
